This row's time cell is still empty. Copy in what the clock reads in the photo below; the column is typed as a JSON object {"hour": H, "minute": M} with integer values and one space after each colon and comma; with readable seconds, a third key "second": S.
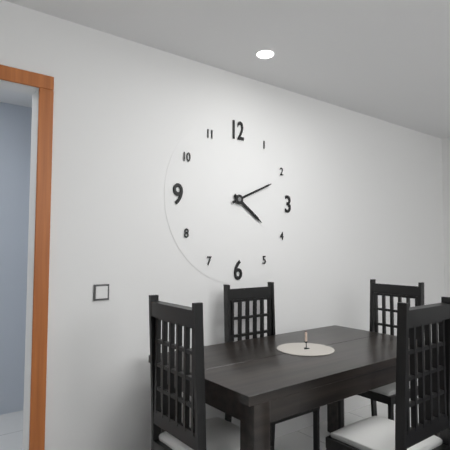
{"hour": 4, "minute": 11}
